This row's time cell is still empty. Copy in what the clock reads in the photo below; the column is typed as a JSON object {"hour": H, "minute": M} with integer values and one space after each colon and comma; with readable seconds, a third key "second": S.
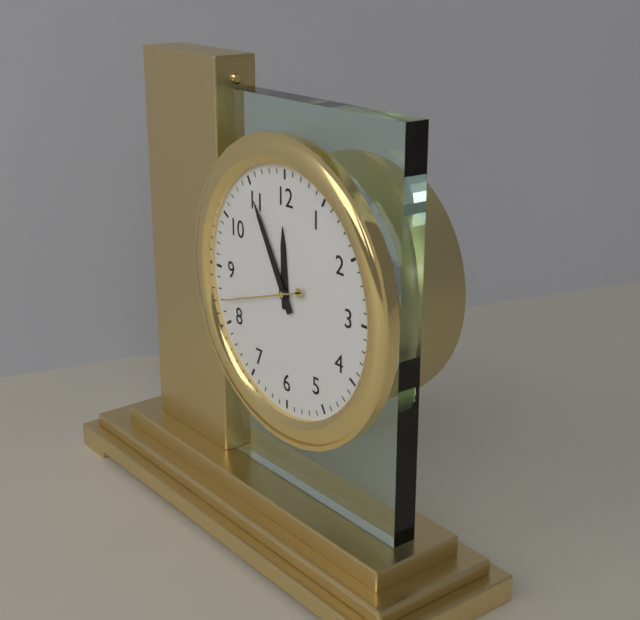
{"hour": 11, "minute": 55, "second": 42}
